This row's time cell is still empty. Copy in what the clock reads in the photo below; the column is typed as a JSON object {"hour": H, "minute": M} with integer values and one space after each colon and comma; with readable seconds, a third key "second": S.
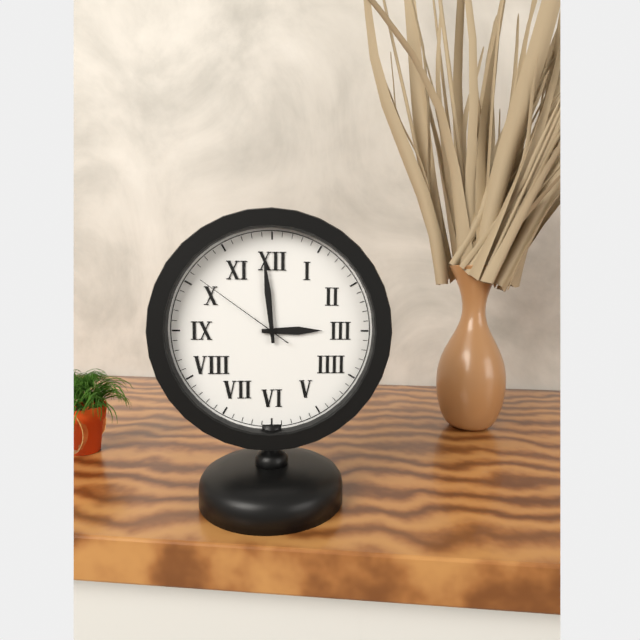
{"hour": 2, "minute": 59, "second": 51}
